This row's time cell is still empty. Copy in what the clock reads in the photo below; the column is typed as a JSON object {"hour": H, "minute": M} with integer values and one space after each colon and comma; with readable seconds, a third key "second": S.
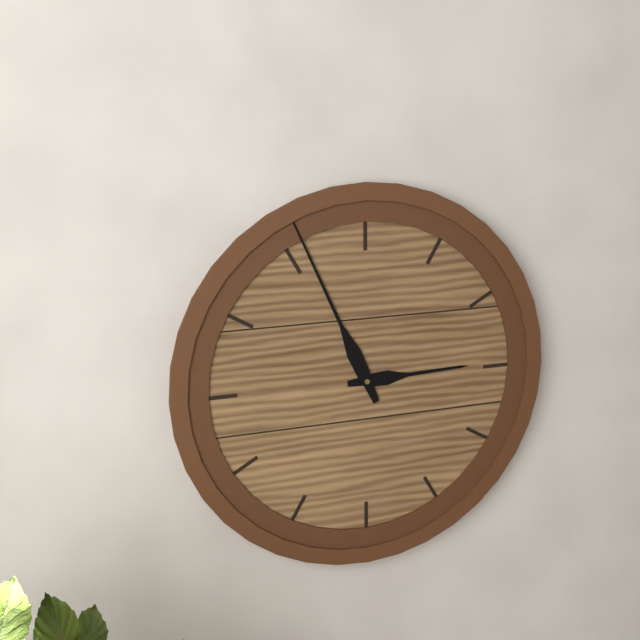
{"hour": 2, "minute": 56}
